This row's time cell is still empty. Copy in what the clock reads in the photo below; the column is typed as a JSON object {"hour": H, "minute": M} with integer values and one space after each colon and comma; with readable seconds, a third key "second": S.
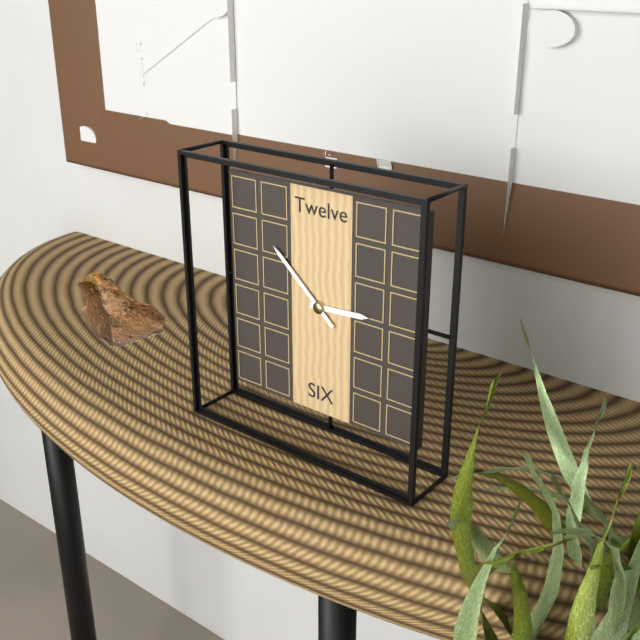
{"hour": 2, "minute": 52}
